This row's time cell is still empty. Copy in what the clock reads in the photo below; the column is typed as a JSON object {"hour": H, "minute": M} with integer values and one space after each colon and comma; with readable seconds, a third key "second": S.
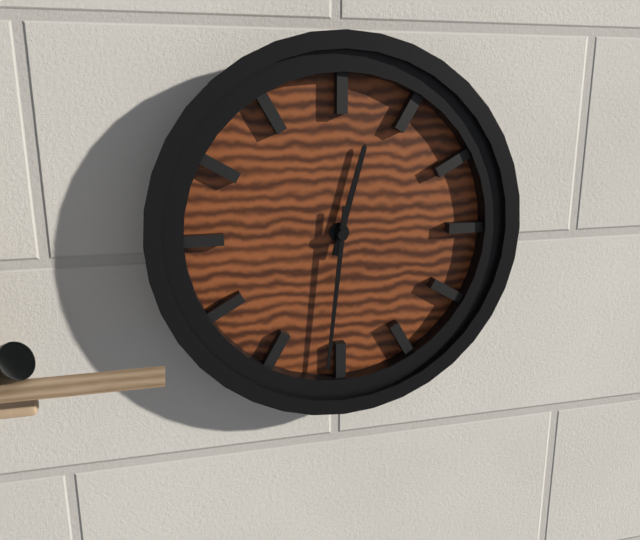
{"hour": 12, "minute": 31}
